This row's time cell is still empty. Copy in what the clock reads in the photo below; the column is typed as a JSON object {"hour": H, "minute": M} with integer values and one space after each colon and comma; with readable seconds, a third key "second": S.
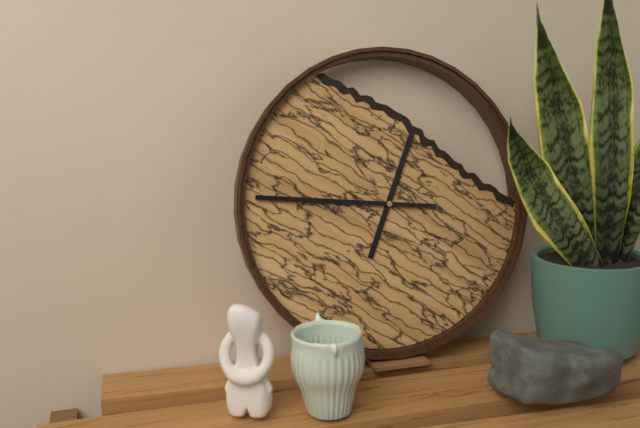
{"hour": 12, "minute": 46}
